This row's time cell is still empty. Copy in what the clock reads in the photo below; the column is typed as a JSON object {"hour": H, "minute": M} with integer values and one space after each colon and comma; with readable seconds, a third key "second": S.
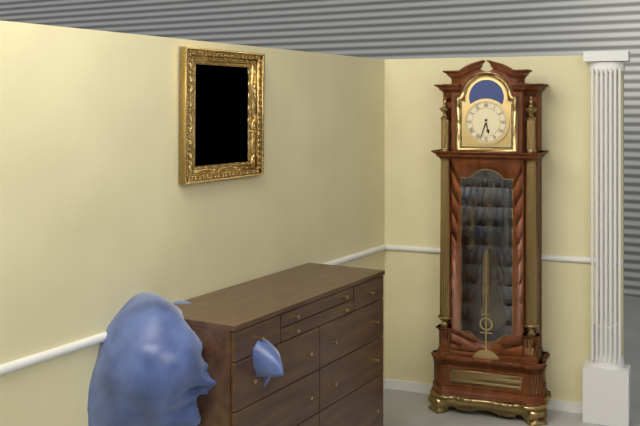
{"hour": 5, "minute": 33}
